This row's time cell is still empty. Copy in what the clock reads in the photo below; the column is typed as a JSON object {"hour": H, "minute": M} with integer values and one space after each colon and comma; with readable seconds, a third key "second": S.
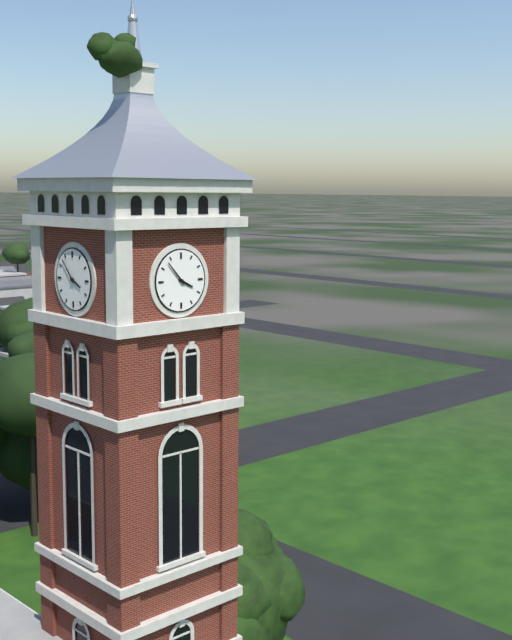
{"hour": 3, "minute": 53}
